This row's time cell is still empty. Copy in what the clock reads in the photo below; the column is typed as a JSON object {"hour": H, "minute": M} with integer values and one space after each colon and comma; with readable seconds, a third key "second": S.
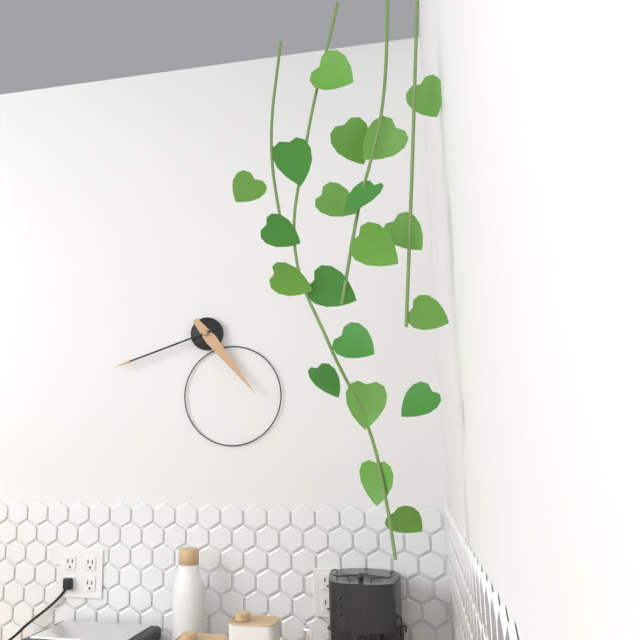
{"hour": 4, "minute": 42}
